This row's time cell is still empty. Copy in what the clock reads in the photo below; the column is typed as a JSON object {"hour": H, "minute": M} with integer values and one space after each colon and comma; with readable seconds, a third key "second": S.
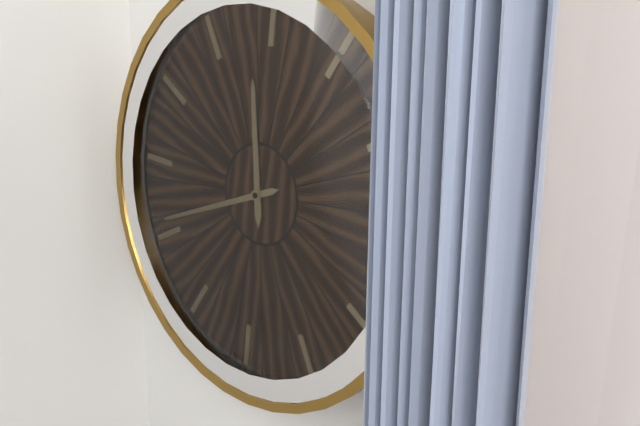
{"hour": 11, "minute": 41}
